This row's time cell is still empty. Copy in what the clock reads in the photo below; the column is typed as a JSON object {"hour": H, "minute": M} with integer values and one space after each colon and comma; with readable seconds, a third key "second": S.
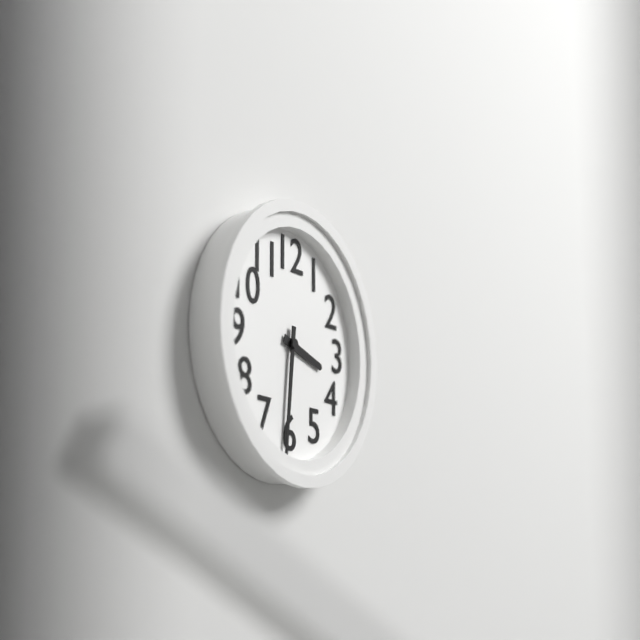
{"hour": 3, "minute": 31}
